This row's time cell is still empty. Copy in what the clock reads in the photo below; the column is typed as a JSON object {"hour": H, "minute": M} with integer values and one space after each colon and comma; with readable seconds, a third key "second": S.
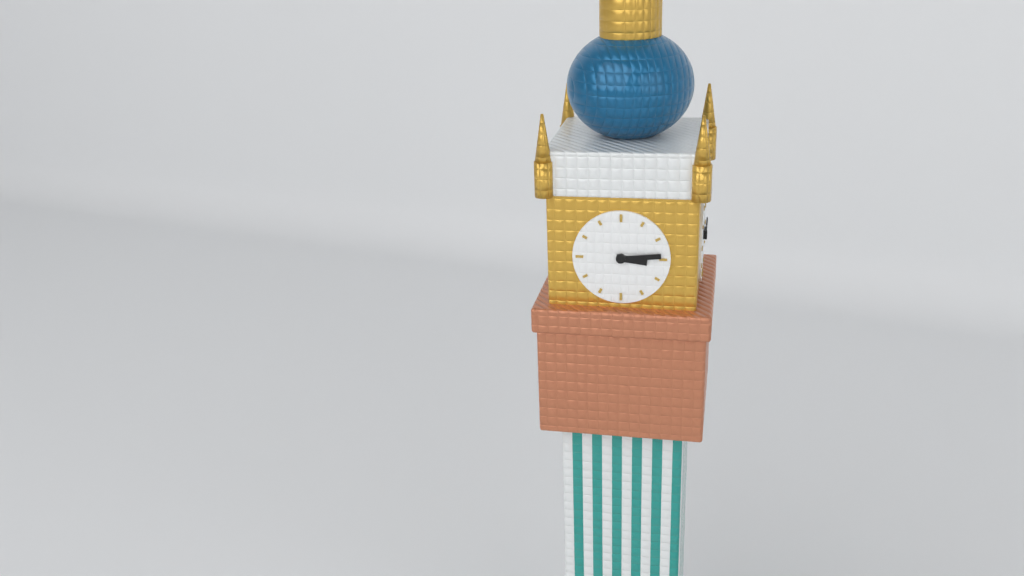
{"hour": 3, "minute": 14}
